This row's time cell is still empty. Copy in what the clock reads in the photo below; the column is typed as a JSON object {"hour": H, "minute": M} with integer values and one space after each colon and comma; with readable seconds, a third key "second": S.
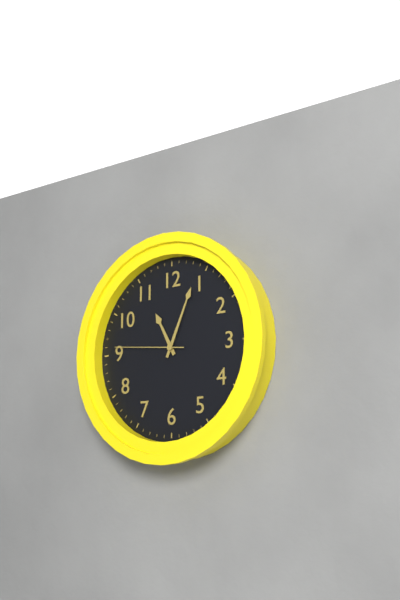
{"hour": 11, "minute": 4, "second": 46}
